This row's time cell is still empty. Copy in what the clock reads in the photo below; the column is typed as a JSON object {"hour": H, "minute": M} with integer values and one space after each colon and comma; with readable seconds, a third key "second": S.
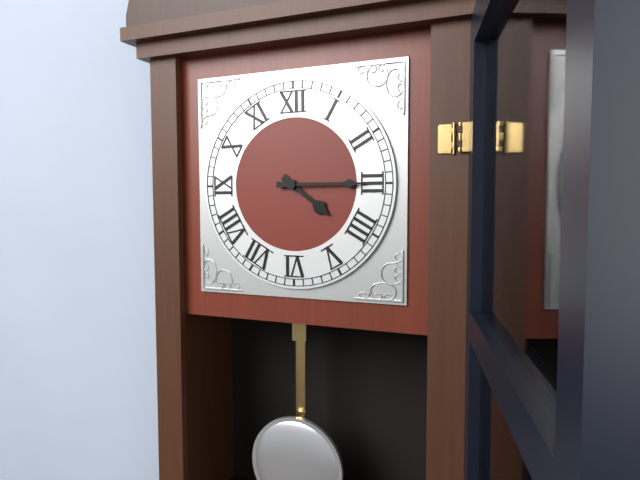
{"hour": 4, "minute": 15}
